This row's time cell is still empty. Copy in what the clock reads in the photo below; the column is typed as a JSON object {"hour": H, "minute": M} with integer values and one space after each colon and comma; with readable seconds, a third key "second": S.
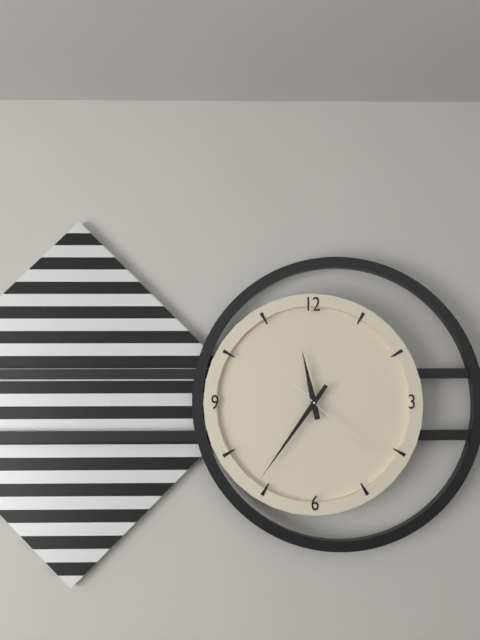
{"hour": 11, "minute": 36, "second": 22}
